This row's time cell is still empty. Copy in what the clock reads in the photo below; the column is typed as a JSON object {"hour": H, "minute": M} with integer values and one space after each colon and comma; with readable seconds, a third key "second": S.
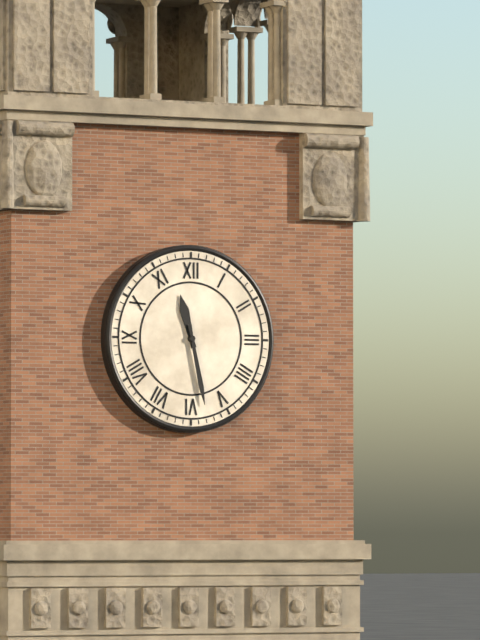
{"hour": 11, "minute": 28}
